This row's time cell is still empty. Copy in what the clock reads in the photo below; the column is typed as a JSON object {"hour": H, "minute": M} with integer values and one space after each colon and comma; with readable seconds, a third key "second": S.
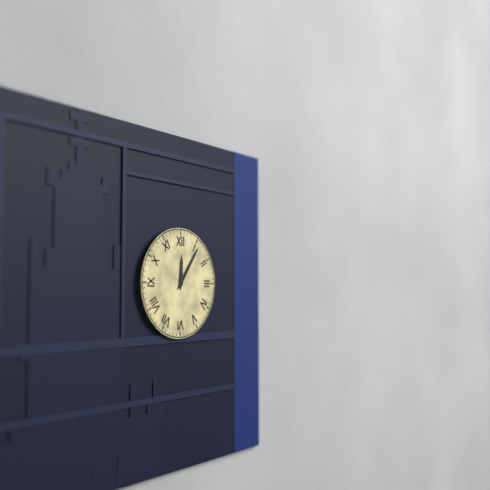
{"hour": 12, "minute": 6}
